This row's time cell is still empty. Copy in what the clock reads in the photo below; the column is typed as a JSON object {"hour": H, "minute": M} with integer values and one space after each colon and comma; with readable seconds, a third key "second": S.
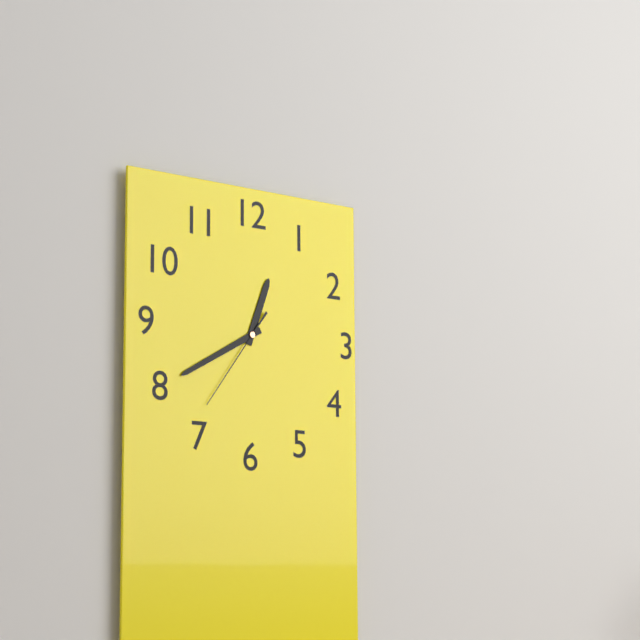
{"hour": 12, "minute": 40, "second": 36}
